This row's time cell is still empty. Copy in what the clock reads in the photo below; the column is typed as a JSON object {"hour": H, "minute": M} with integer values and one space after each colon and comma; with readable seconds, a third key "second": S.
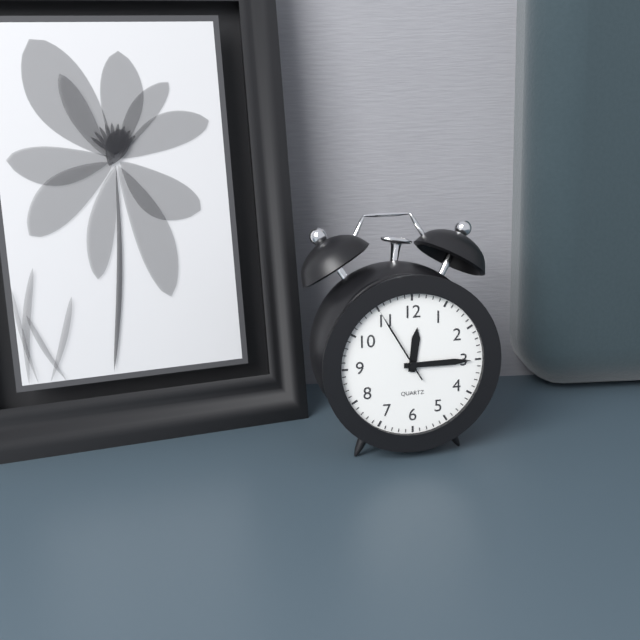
{"hour": 12, "minute": 15, "second": 55}
